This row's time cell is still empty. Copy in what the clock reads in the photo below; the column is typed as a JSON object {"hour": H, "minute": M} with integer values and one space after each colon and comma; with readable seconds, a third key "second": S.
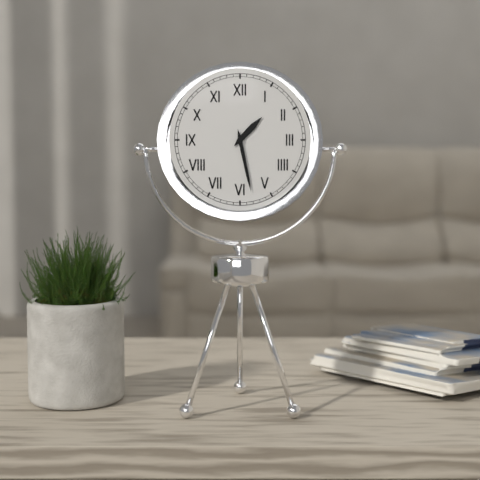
{"hour": 1, "minute": 28}
